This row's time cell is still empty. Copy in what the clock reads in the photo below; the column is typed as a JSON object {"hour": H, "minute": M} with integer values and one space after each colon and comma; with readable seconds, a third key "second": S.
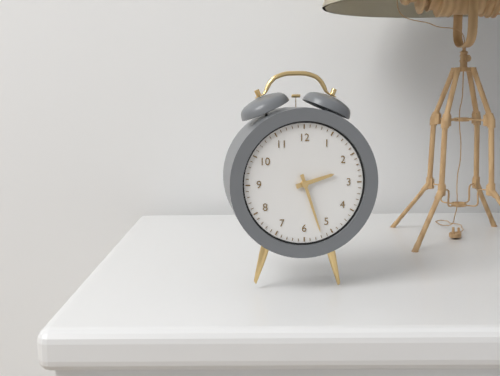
{"hour": 2, "minute": 27}
